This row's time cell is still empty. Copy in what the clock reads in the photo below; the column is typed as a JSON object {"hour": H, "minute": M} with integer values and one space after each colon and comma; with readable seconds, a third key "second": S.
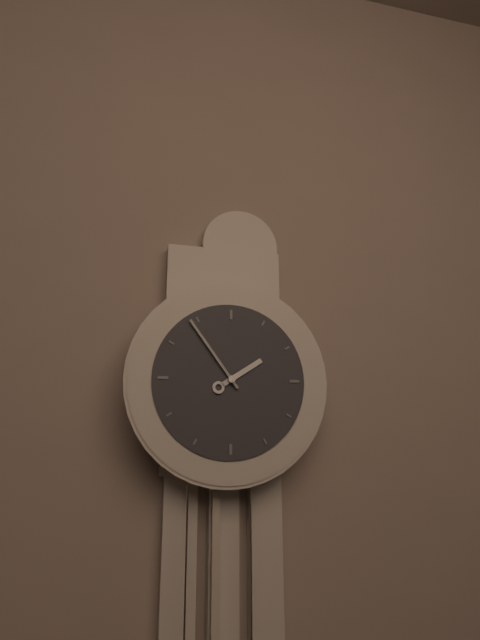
{"hour": 1, "minute": 54}
